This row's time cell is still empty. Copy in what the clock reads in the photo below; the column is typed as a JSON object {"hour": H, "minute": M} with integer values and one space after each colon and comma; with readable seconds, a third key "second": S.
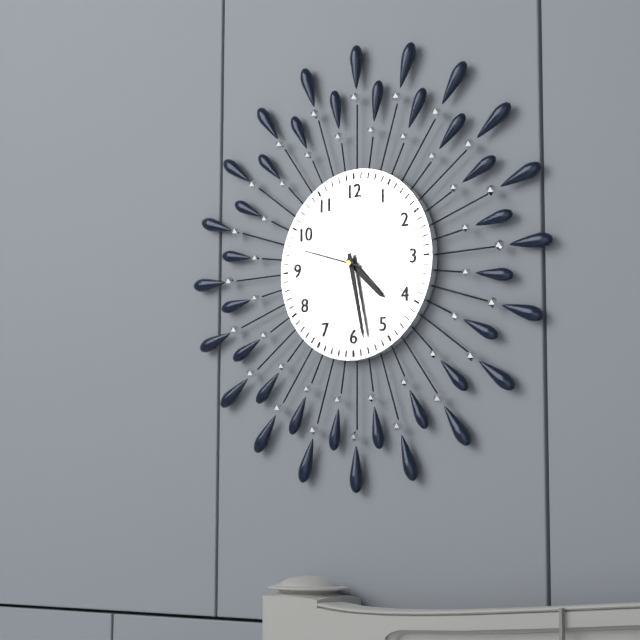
{"hour": 4, "minute": 28, "second": 48}
